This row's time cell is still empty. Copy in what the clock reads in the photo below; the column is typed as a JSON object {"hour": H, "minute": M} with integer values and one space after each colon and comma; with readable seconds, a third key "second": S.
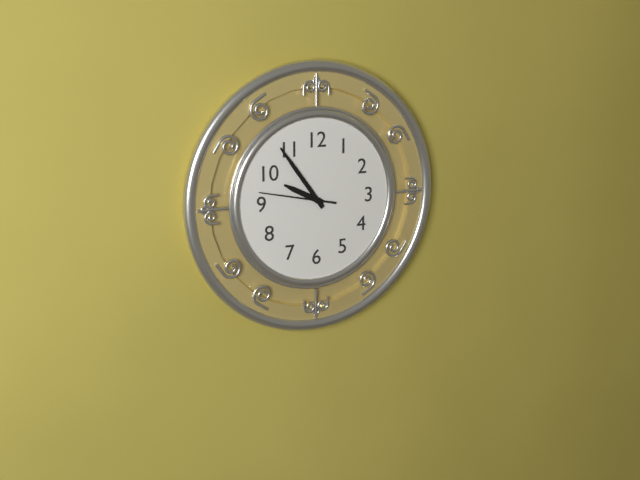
{"hour": 9, "minute": 54, "second": 47}
